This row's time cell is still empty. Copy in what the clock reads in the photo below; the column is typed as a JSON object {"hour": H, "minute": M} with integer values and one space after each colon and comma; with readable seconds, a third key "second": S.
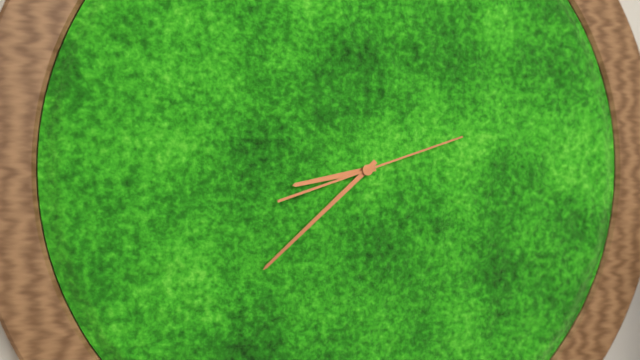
{"hour": 8, "minute": 38, "second": 12}
